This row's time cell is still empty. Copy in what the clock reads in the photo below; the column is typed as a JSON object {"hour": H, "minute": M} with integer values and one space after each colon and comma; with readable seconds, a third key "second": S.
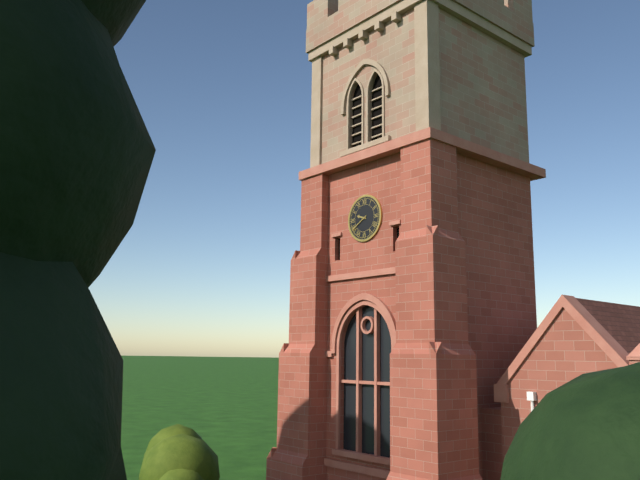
{"hour": 9, "minute": 40}
